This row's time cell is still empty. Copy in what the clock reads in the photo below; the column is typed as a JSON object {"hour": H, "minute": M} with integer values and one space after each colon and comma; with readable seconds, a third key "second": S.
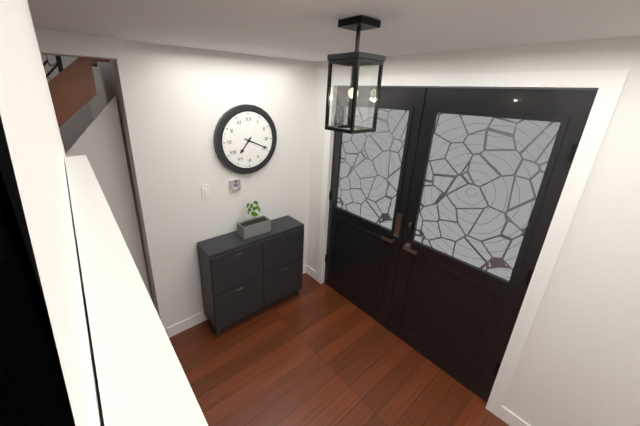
{"hour": 7, "minute": 19}
